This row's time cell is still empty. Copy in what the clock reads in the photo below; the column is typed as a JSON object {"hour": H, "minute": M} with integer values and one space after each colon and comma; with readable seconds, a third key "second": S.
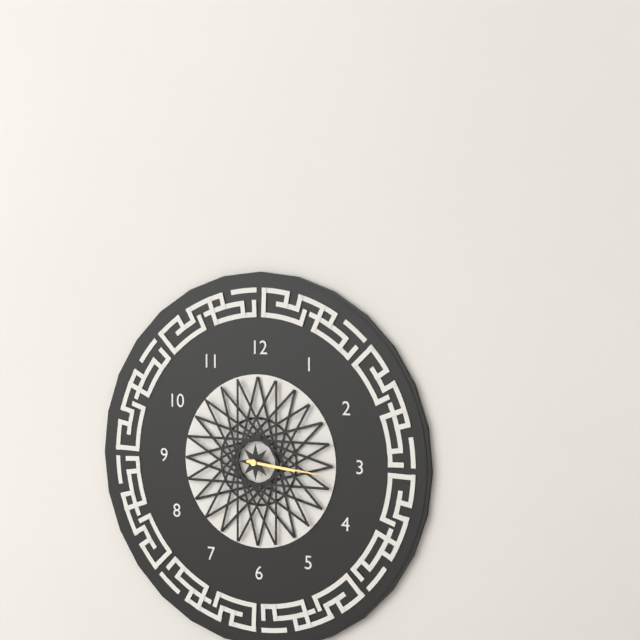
{"hour": 3, "minute": 16}
